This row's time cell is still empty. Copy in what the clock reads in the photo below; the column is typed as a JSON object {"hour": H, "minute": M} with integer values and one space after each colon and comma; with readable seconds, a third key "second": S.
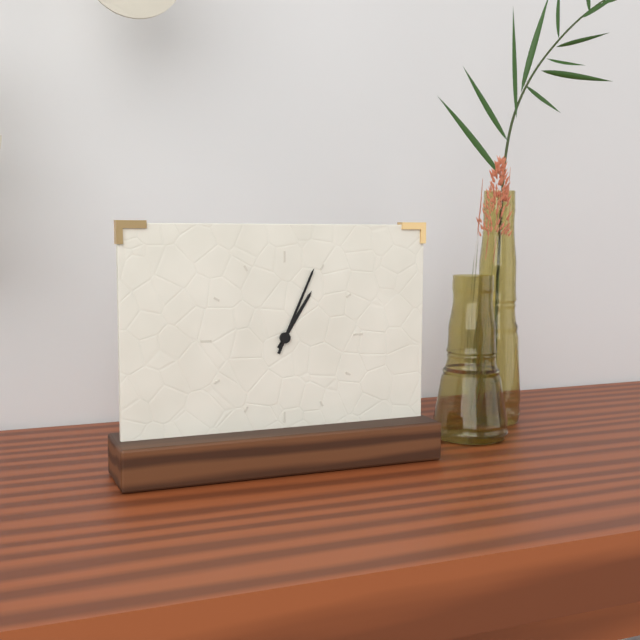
{"hour": 1, "minute": 4}
